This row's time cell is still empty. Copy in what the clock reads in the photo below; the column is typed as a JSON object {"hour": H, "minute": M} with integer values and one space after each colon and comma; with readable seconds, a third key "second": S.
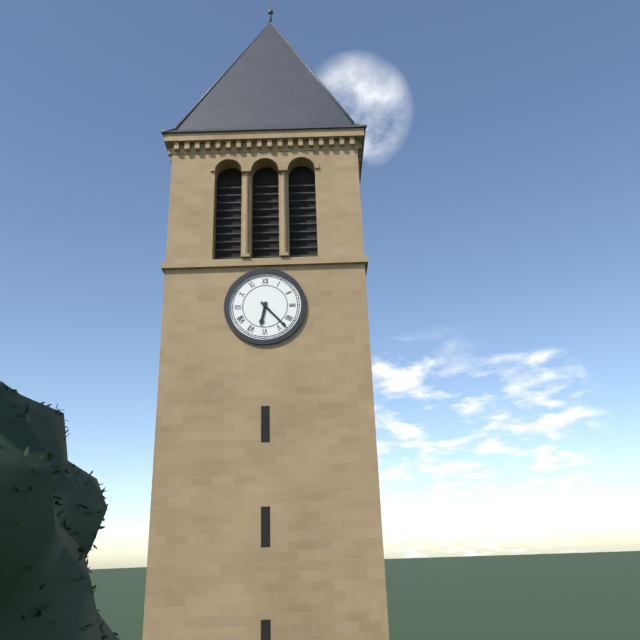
{"hour": 6, "minute": 23}
